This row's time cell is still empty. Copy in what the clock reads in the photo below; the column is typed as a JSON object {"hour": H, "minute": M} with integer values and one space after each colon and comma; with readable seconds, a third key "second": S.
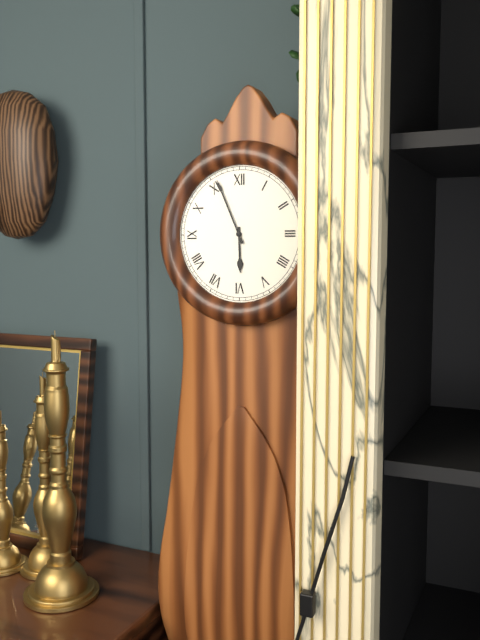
{"hour": 5, "minute": 56}
